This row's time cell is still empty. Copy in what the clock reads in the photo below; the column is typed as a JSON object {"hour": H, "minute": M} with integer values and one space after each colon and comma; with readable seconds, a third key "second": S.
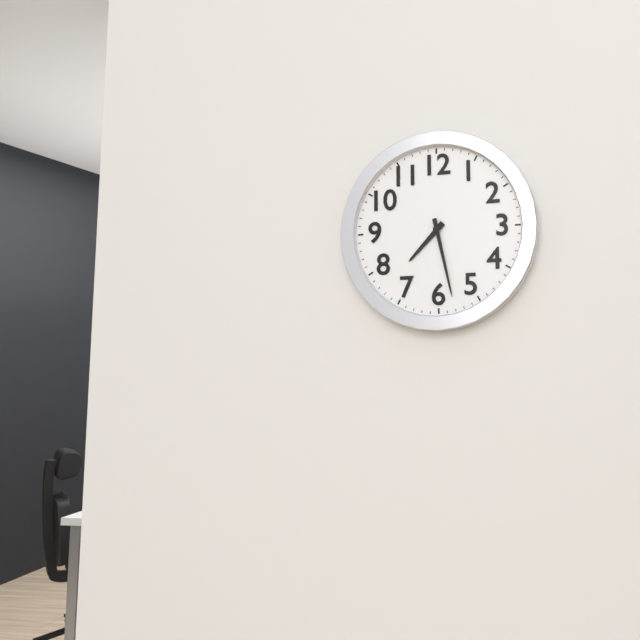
{"hour": 7, "minute": 28}
